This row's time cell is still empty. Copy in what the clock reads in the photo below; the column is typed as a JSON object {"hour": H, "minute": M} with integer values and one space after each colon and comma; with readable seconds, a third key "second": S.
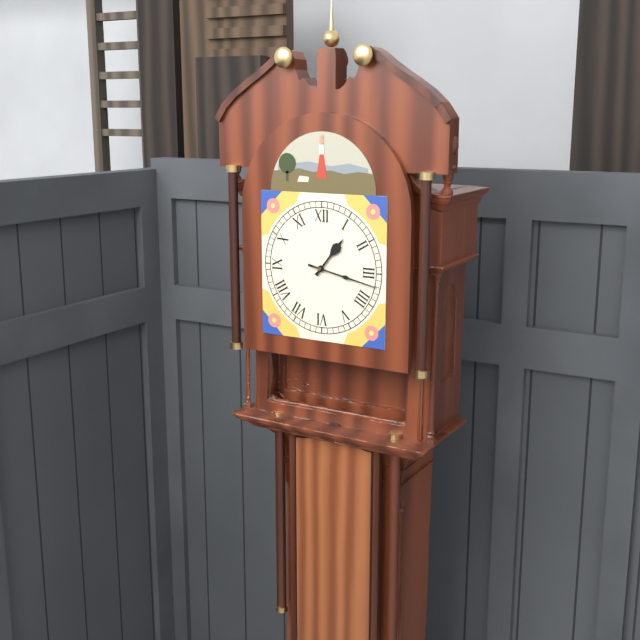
{"hour": 1, "minute": 17}
